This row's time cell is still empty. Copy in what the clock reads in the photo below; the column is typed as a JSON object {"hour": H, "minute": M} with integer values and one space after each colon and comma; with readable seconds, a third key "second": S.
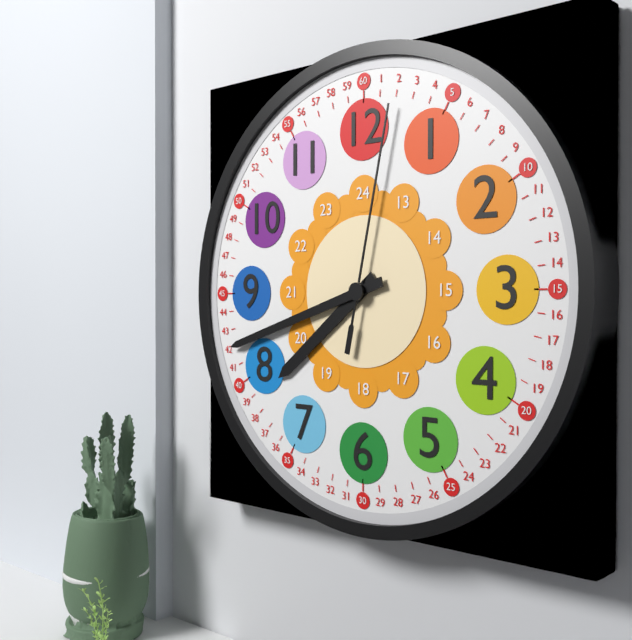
{"hour": 7, "minute": 42, "second": 2}
